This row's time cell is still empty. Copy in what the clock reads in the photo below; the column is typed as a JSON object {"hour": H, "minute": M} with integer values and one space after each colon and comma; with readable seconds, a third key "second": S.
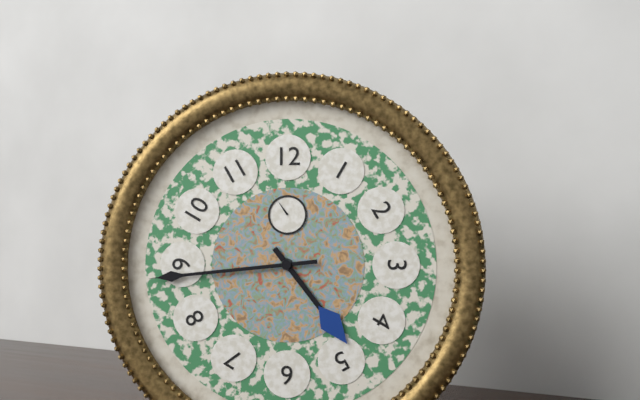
{"hour": 4, "minute": 44}
